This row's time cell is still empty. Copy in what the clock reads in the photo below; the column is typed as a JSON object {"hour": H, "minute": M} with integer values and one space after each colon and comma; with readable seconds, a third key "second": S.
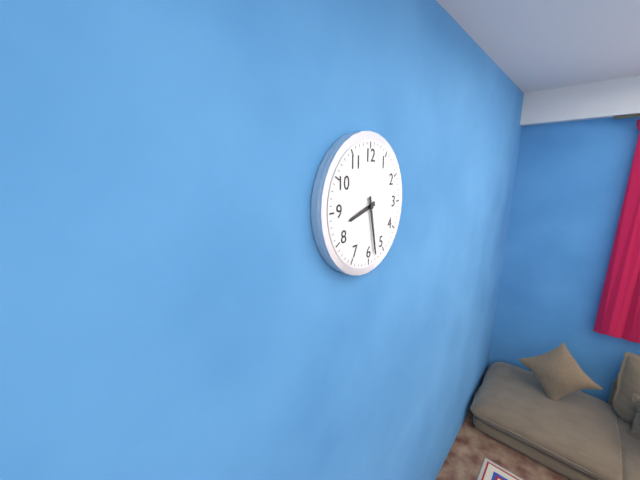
{"hour": 8, "minute": 28}
